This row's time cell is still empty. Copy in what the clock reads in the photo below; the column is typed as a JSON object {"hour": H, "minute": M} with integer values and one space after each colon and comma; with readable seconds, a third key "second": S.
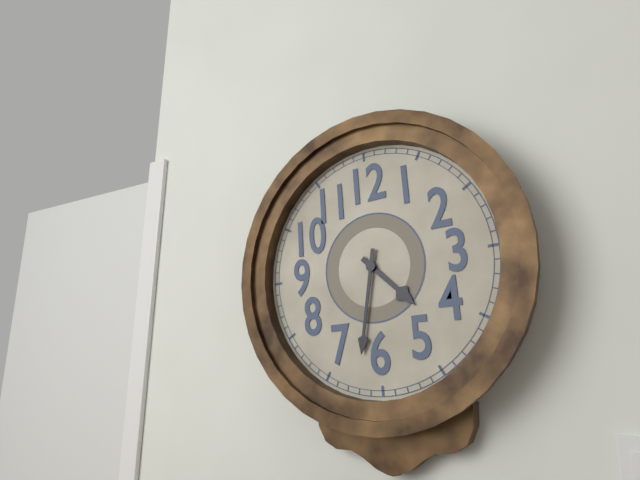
{"hour": 4, "minute": 32}
